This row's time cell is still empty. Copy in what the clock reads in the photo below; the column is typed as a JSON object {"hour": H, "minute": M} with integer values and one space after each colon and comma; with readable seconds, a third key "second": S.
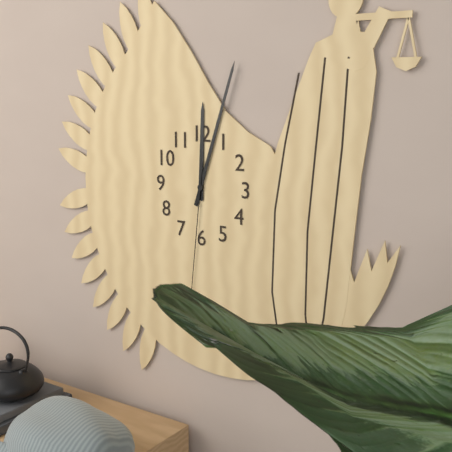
{"hour": 12, "minute": 3, "second": 31}
